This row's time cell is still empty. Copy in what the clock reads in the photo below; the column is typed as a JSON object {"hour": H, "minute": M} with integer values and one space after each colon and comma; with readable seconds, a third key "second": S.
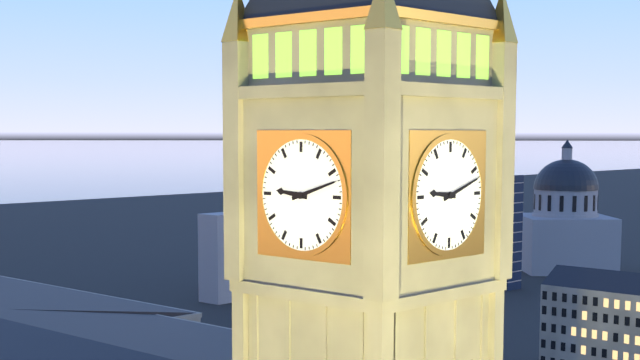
{"hour": 9, "minute": 12}
